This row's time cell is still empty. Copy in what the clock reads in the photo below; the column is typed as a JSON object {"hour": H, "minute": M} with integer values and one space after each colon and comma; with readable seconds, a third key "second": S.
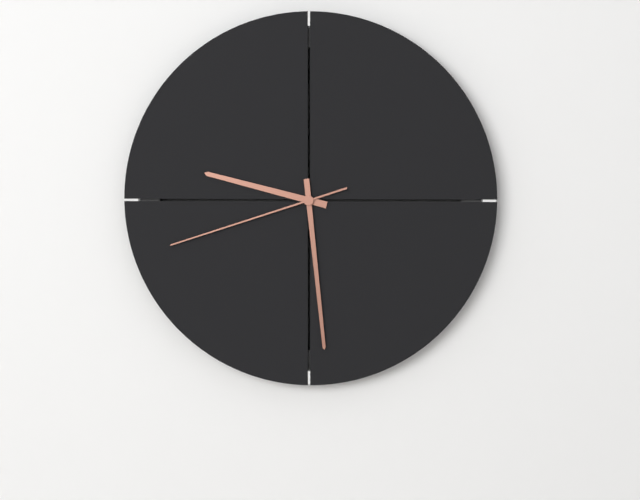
{"hour": 9, "minute": 29, "second": 42}
